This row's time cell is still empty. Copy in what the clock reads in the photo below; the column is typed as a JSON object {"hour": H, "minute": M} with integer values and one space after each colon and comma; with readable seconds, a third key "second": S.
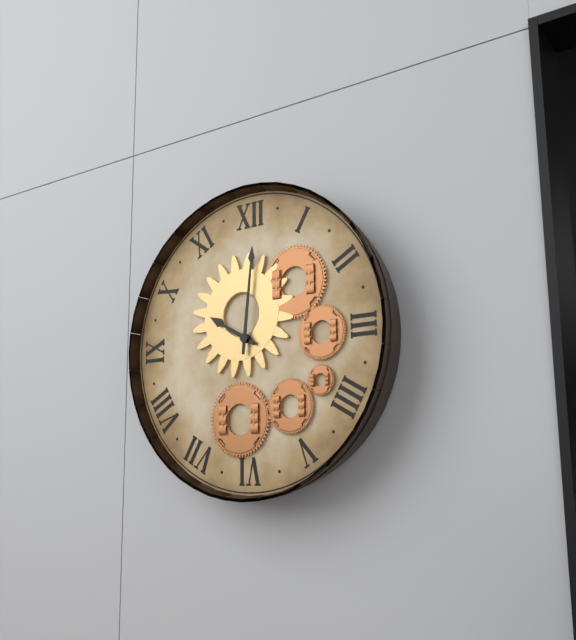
{"hour": 10, "minute": 1}
